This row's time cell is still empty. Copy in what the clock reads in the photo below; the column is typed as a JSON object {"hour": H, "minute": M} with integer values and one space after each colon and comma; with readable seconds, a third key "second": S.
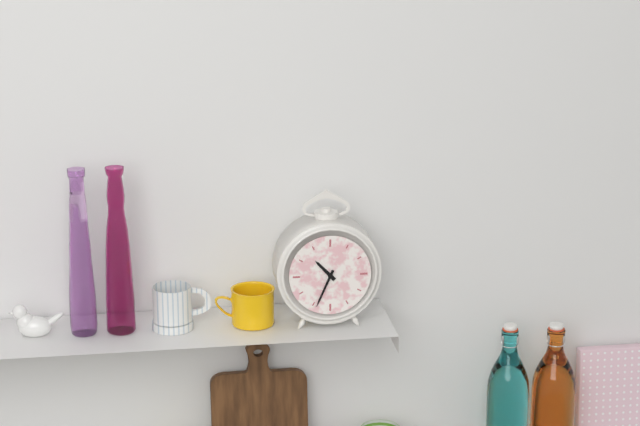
{"hour": 10, "minute": 34}
